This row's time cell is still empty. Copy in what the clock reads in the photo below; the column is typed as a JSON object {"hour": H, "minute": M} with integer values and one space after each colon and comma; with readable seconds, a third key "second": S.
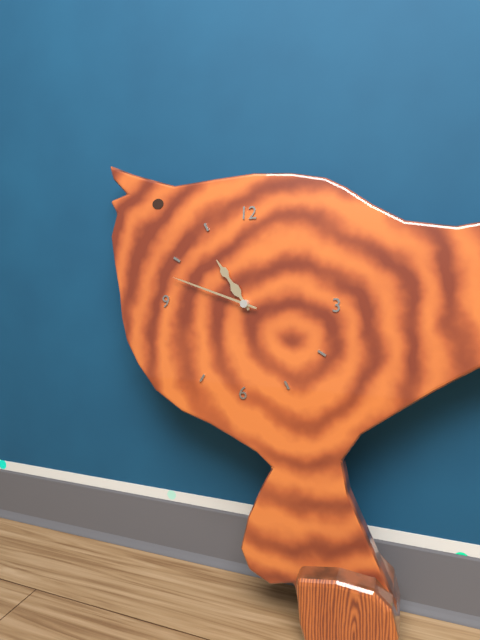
{"hour": 10, "minute": 48}
